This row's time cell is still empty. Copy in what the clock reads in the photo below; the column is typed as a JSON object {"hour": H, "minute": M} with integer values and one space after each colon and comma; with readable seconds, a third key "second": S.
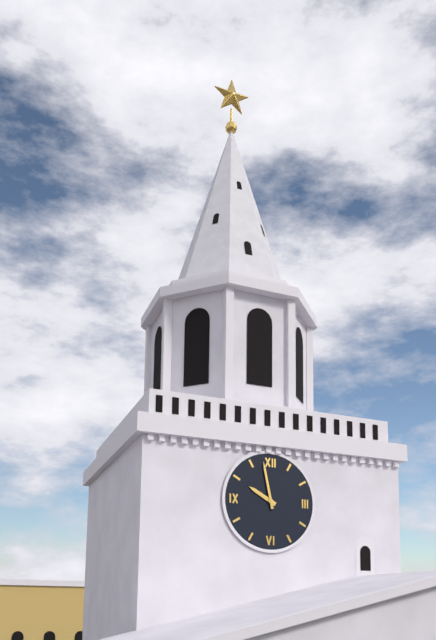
{"hour": 9, "minute": 58}
